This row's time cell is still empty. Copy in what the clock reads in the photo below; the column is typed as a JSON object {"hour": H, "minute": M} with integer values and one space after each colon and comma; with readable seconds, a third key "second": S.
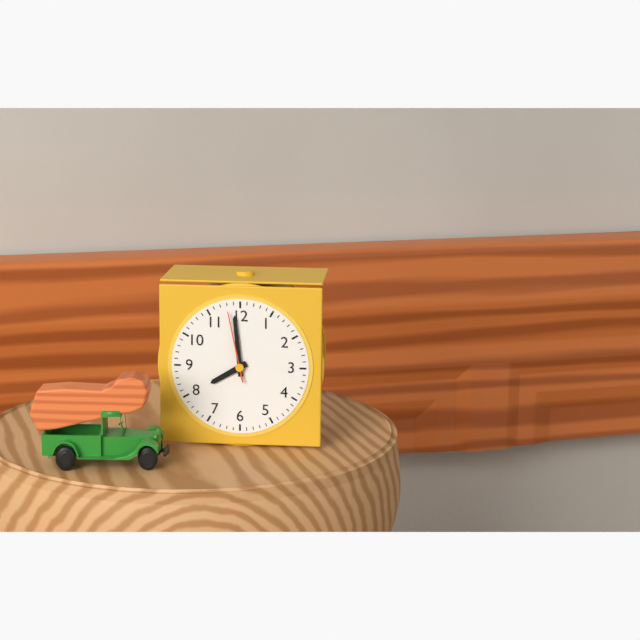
{"hour": 7, "minute": 59, "second": 58}
